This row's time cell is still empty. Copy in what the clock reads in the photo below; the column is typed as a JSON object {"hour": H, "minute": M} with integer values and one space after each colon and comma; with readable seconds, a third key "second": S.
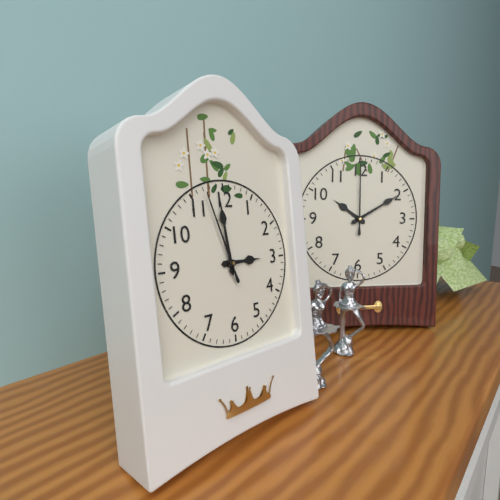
{"hour": 2, "minute": 59, "second": 57}
